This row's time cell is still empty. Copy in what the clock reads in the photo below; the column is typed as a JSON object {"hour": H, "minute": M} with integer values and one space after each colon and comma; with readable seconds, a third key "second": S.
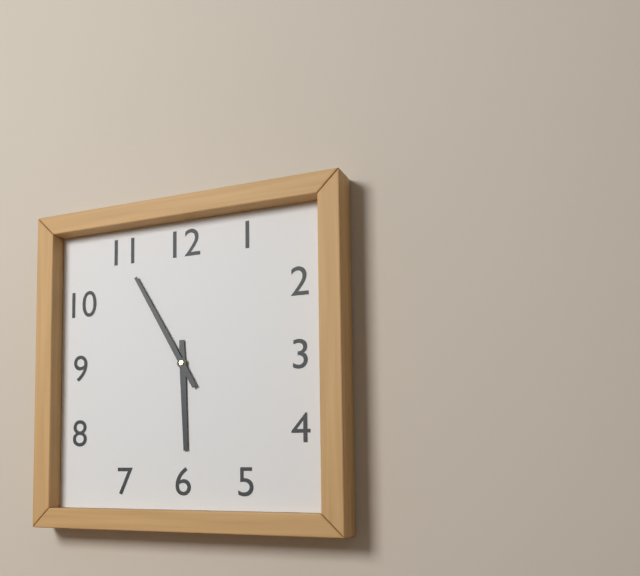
{"hour": 5, "minute": 55}
